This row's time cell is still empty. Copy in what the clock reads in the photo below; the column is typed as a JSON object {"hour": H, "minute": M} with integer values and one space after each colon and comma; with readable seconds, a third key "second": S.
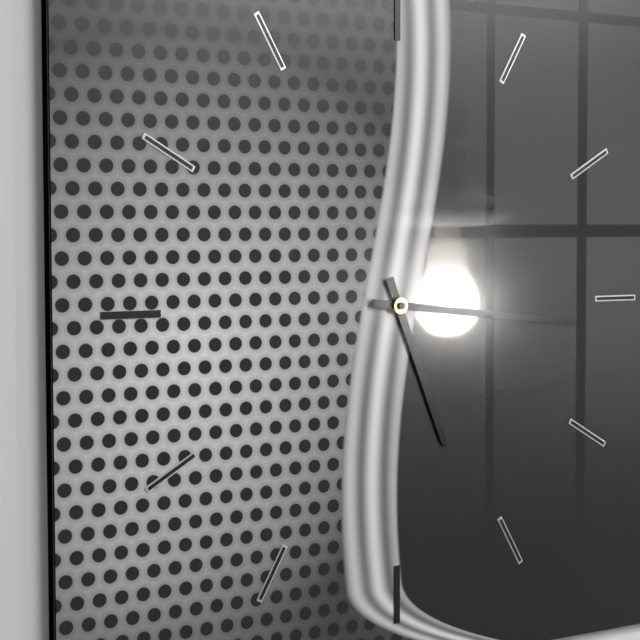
{"hour": 5, "minute": 16}
